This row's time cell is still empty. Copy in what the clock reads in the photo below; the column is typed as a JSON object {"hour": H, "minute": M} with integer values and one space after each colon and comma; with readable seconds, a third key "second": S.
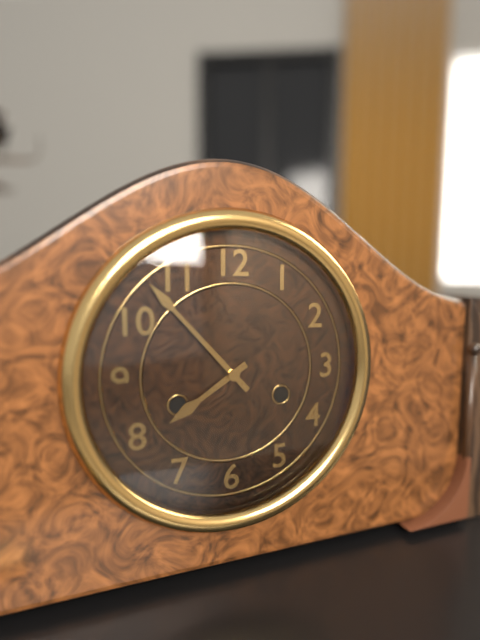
{"hour": 7, "minute": 53}
